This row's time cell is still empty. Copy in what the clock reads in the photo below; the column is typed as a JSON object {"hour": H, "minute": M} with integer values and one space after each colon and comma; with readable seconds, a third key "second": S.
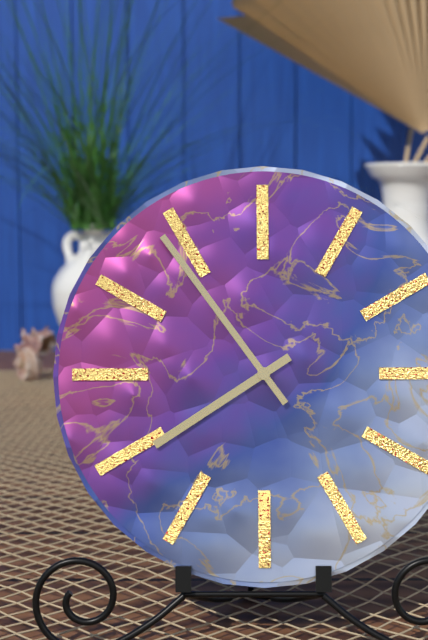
{"hour": 7, "minute": 54}
